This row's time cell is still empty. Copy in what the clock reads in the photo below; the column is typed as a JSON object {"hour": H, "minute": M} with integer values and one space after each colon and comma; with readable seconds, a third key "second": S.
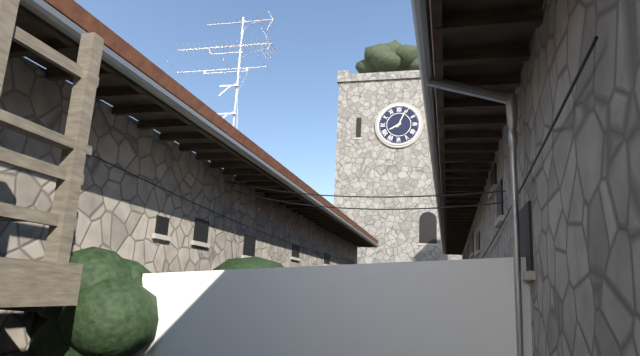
{"hour": 8, "minute": 4}
